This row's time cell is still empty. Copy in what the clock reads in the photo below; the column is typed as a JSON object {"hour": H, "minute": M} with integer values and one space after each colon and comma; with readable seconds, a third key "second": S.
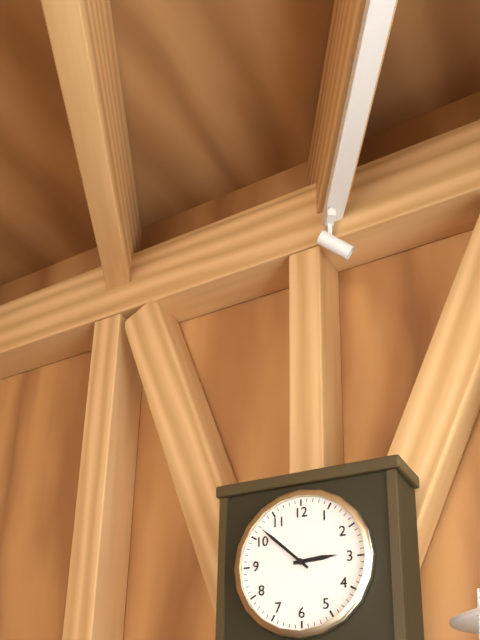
{"hour": 2, "minute": 52}
